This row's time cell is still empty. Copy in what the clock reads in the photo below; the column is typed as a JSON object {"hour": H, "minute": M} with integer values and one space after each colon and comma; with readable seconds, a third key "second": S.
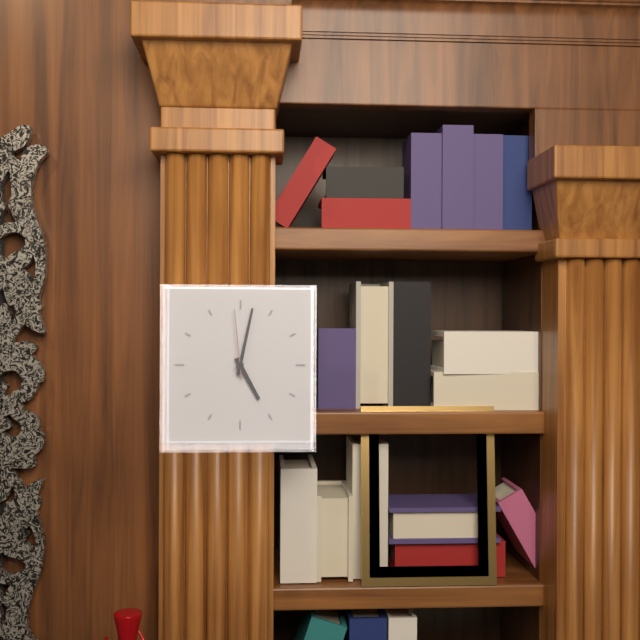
{"hour": 5, "minute": 2, "second": 59}
